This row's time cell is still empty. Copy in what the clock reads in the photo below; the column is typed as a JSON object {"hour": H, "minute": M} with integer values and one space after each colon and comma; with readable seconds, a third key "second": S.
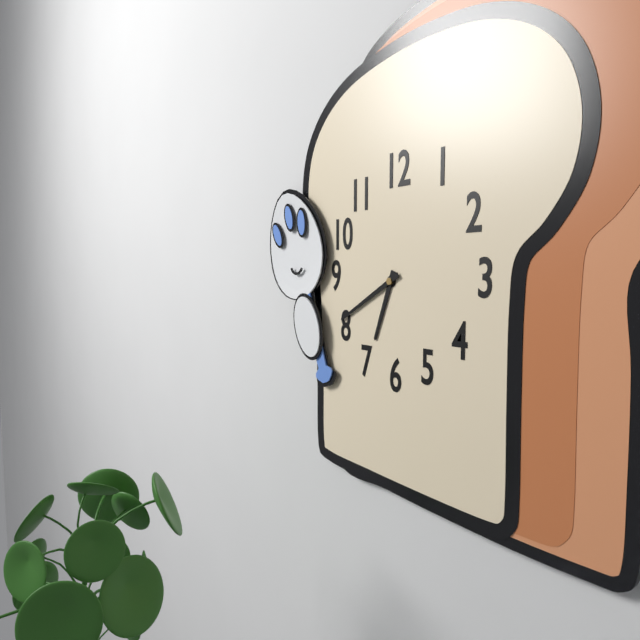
{"hour": 6, "minute": 40}
